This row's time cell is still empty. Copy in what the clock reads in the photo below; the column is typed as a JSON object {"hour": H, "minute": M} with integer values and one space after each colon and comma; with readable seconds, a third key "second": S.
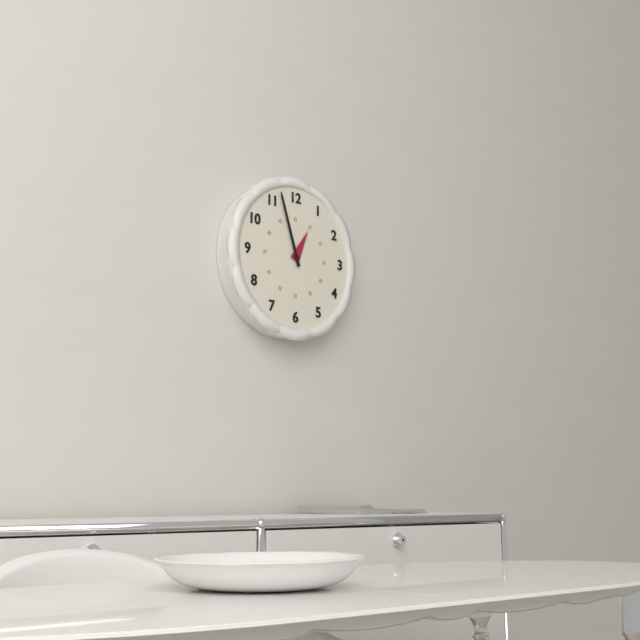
{"hour": 12, "minute": 57}
